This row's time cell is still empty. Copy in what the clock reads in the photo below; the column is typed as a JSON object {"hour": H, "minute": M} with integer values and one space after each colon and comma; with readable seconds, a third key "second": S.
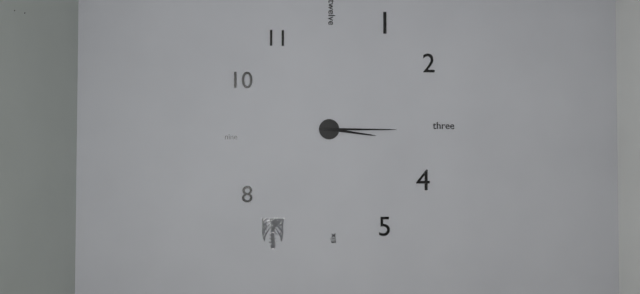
{"hour": 3, "minute": 15}
